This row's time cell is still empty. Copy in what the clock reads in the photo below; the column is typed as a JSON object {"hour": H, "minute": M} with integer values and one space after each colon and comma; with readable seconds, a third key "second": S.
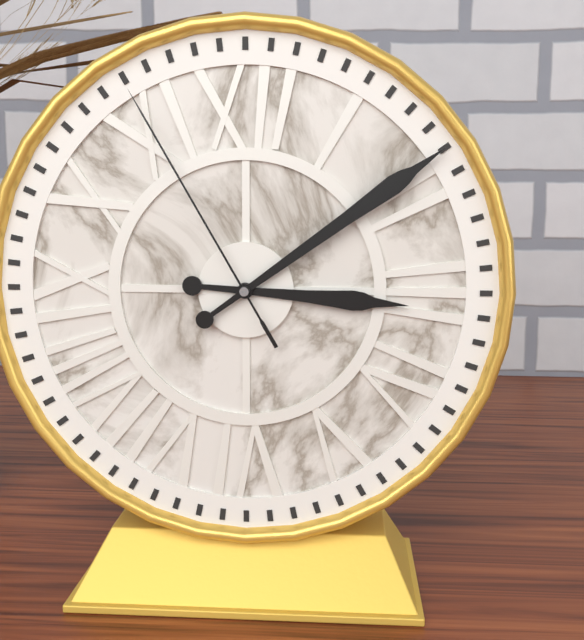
{"hour": 3, "minute": 9, "second": 55}
